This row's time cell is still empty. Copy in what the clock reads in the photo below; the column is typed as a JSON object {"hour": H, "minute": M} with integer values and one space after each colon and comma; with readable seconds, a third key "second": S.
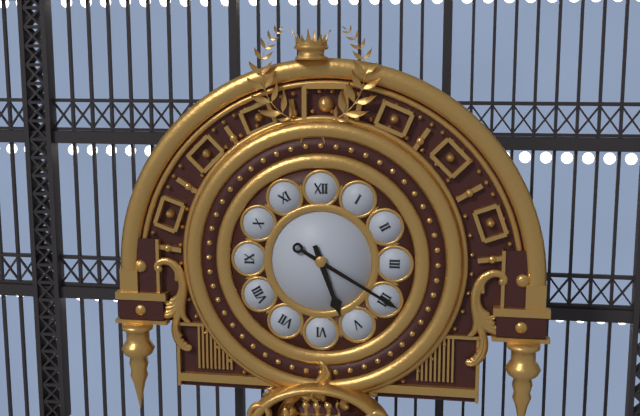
{"hour": 5, "minute": 20}
